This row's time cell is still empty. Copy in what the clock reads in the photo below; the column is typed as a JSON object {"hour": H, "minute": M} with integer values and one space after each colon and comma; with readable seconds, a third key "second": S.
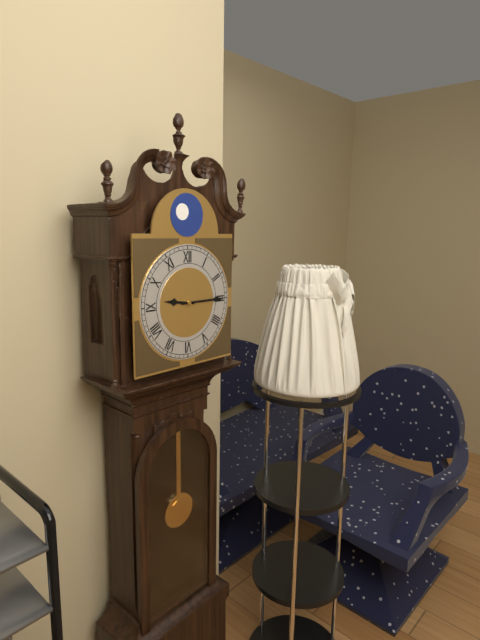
{"hour": 9, "minute": 15}
